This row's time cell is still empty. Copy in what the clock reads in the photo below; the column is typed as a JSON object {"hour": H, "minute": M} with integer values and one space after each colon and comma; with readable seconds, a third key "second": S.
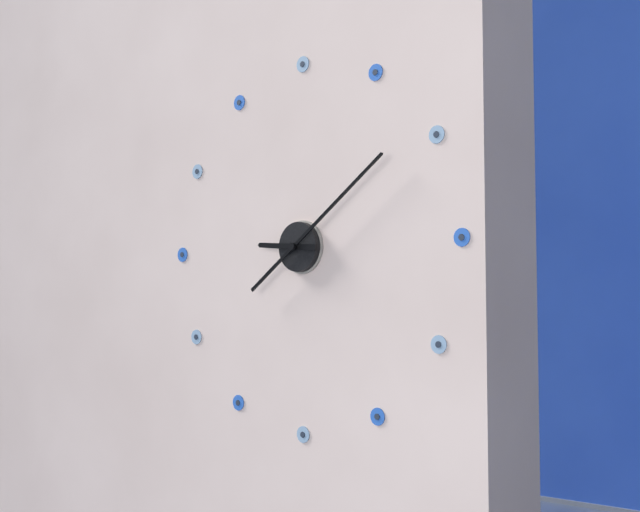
{"hour": 9, "minute": 9}
